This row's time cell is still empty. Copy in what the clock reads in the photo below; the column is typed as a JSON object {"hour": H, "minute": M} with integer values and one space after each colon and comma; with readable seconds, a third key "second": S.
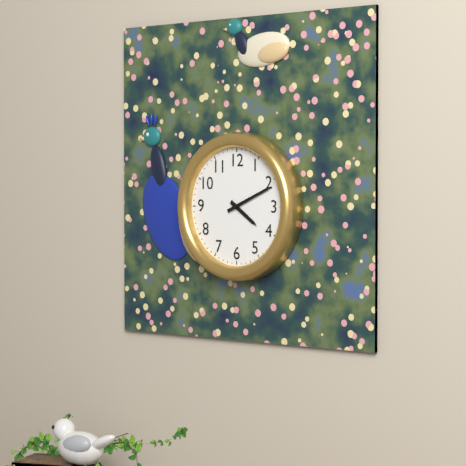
{"hour": 4, "minute": 11}
